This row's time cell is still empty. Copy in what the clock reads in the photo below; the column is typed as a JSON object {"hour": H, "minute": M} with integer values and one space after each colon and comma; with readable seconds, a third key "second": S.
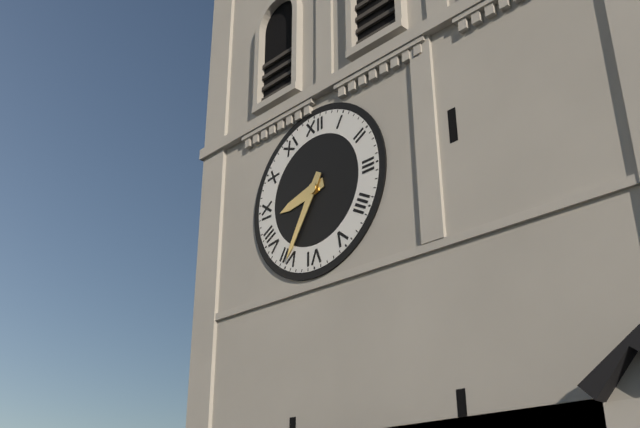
{"hour": 8, "minute": 35}
